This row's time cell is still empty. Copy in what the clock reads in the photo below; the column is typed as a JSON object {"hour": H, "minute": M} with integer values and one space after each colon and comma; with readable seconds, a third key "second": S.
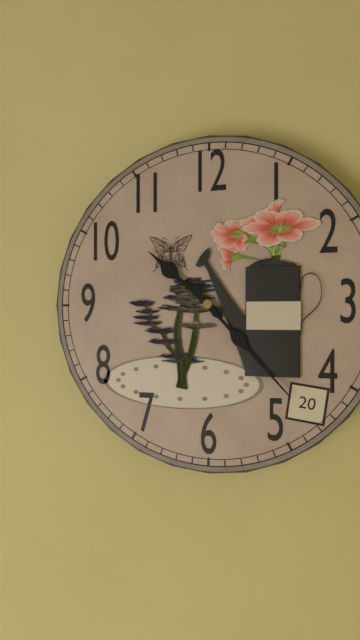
{"hour": 10, "minute": 23}
